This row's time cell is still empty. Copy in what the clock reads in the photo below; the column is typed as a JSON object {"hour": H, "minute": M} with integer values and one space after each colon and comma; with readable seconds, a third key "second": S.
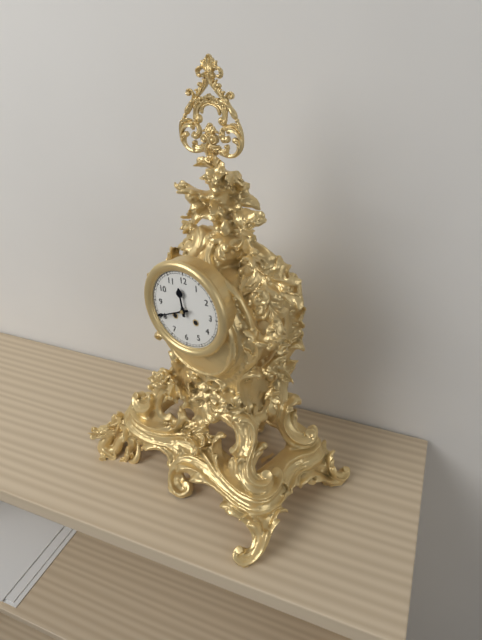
{"hour": 11, "minute": 41}
